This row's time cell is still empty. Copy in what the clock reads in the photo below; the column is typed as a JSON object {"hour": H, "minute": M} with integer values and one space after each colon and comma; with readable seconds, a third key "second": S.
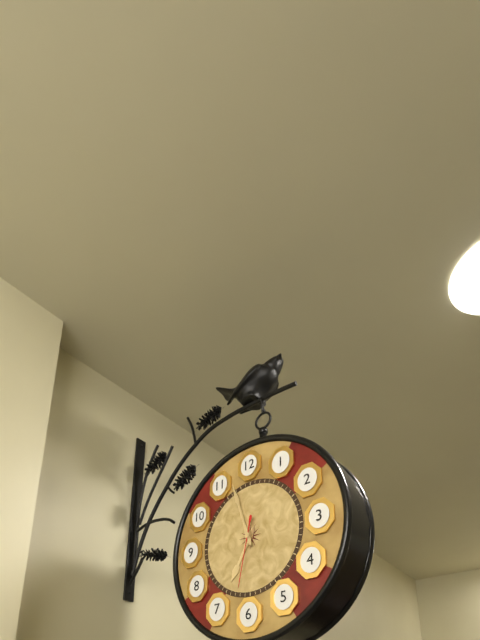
{"hour": 6, "minute": 57, "second": 32}
